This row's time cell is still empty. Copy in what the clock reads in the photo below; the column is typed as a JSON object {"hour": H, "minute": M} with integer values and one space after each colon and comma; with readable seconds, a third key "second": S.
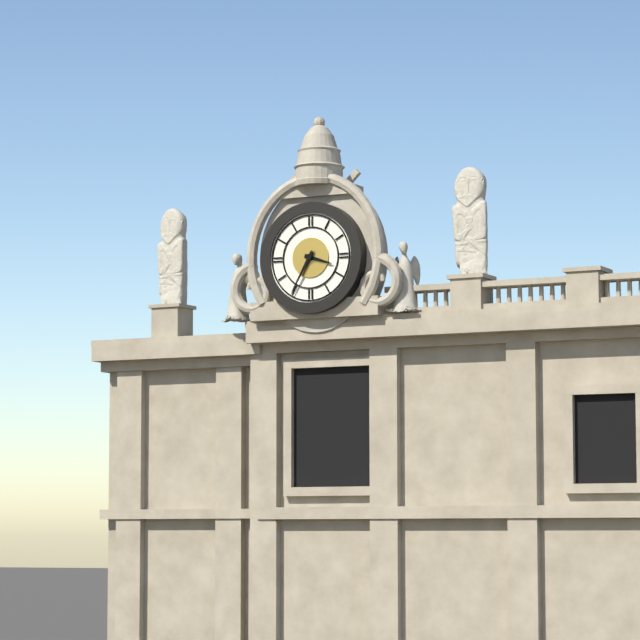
{"hour": 3, "minute": 35}
